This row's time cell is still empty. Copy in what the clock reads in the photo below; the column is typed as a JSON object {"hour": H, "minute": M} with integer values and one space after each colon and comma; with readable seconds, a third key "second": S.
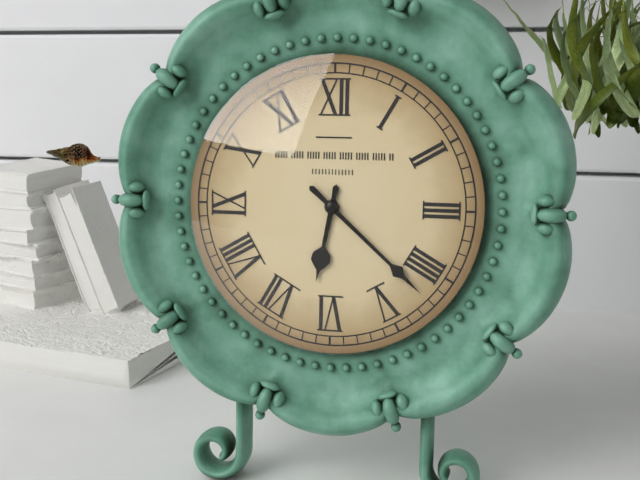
{"hour": 6, "minute": 22}
